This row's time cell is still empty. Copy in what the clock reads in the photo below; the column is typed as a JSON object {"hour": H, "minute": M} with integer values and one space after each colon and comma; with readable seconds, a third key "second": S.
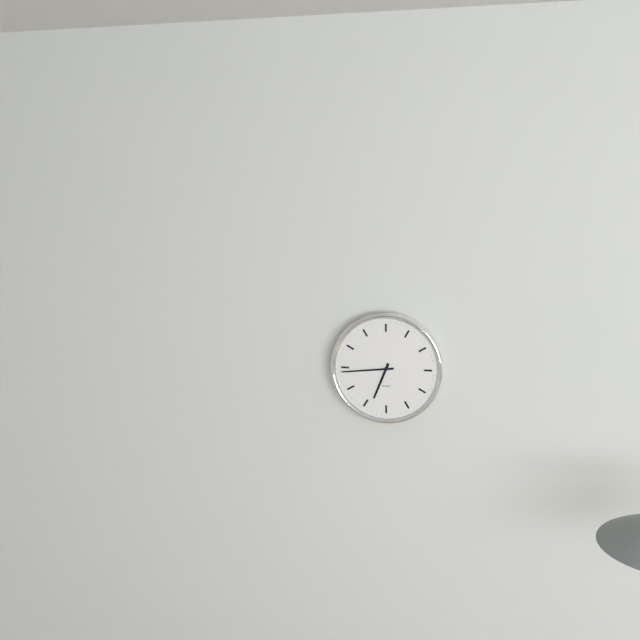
{"hour": 6, "minute": 44}
